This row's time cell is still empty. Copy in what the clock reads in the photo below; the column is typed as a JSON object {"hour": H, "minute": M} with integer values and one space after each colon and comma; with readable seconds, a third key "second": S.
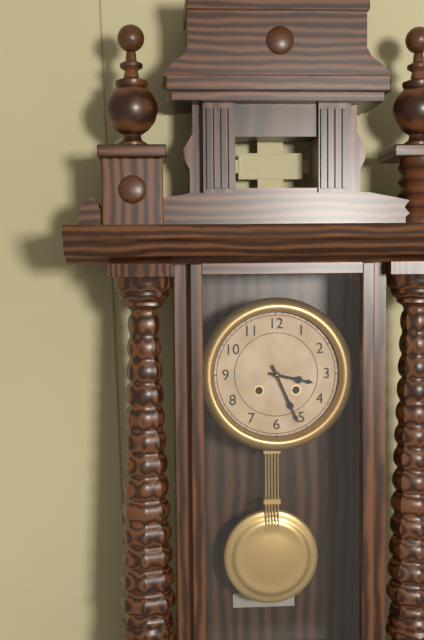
{"hour": 3, "minute": 26}
